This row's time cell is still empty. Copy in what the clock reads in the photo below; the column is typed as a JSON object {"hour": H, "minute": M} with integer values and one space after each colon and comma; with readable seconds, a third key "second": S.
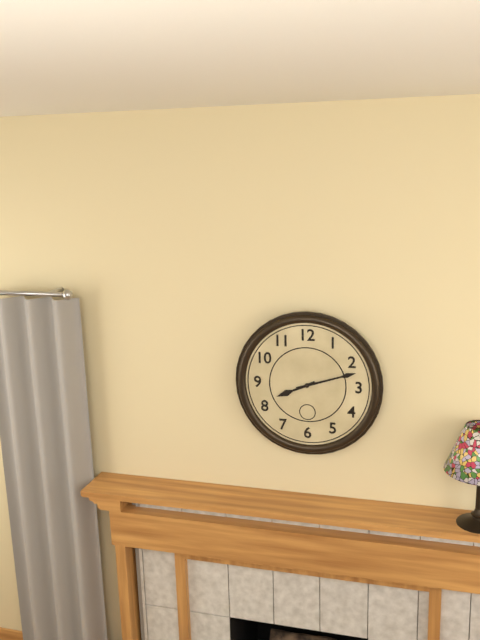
{"hour": 8, "minute": 12}
